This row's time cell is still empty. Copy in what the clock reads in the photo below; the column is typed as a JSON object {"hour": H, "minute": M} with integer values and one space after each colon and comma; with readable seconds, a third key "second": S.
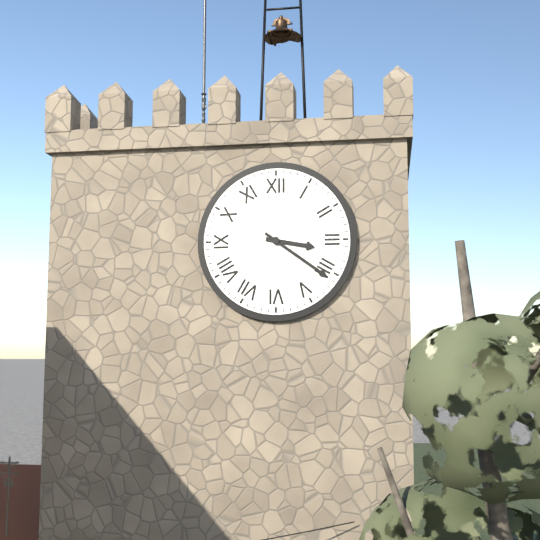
{"hour": 3, "minute": 21}
